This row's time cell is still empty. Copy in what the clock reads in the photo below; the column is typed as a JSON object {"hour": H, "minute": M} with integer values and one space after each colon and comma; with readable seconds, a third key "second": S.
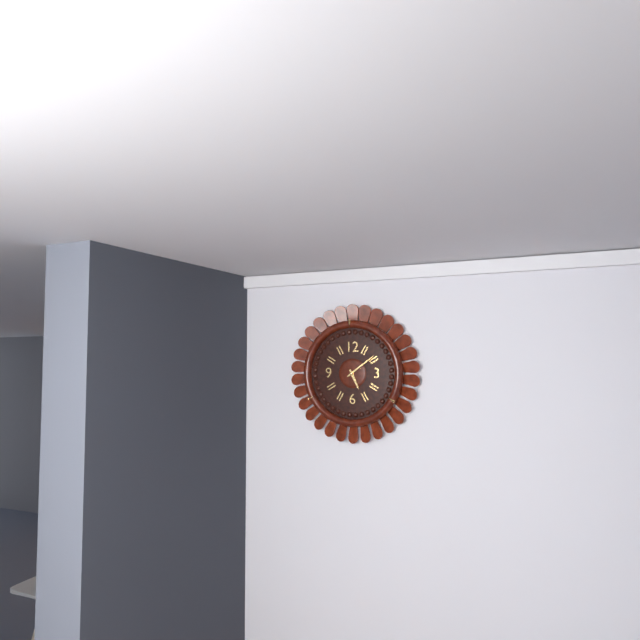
{"hour": 5, "minute": 9}
